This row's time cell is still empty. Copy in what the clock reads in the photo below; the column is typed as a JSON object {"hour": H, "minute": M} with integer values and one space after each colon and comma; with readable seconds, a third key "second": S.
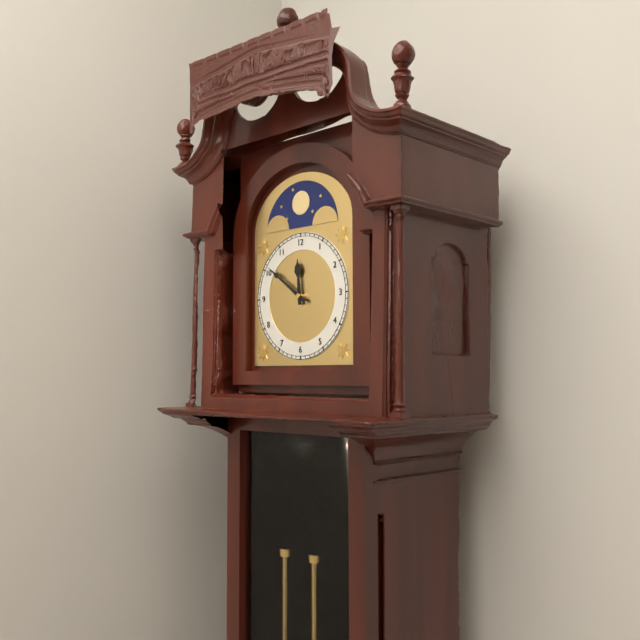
{"hour": 11, "minute": 51}
